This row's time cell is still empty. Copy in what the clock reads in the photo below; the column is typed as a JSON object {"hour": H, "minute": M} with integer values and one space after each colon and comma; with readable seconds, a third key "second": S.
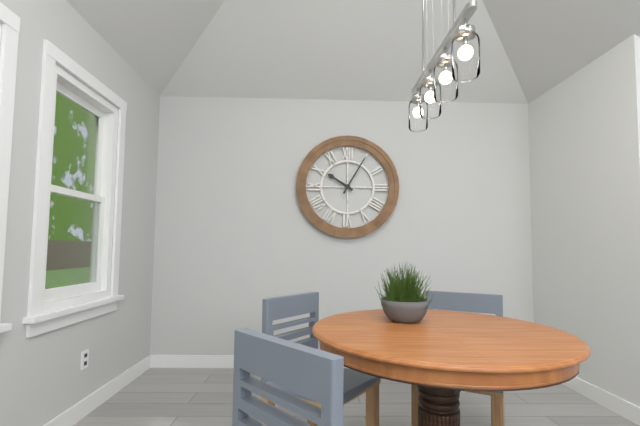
{"hour": 10, "minute": 5}
